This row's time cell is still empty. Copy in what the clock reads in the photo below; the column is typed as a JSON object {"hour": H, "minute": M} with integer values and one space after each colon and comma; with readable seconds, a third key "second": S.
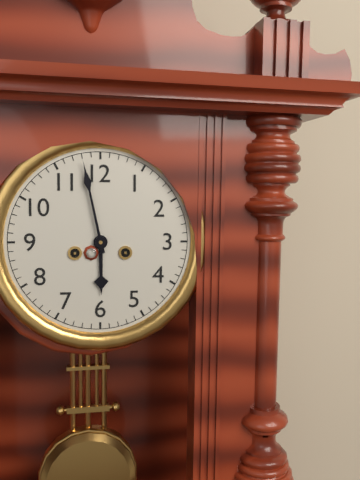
{"hour": 5, "minute": 58}
